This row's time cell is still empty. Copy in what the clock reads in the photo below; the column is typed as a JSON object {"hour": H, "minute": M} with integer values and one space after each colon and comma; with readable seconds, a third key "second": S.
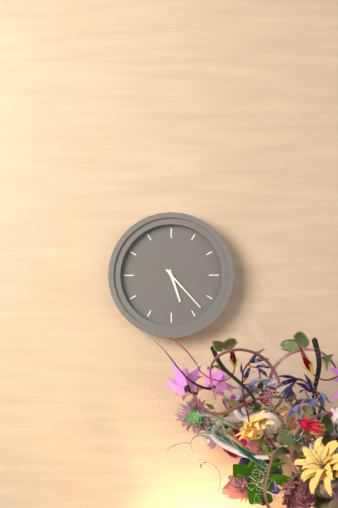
{"hour": 5, "minute": 23}
